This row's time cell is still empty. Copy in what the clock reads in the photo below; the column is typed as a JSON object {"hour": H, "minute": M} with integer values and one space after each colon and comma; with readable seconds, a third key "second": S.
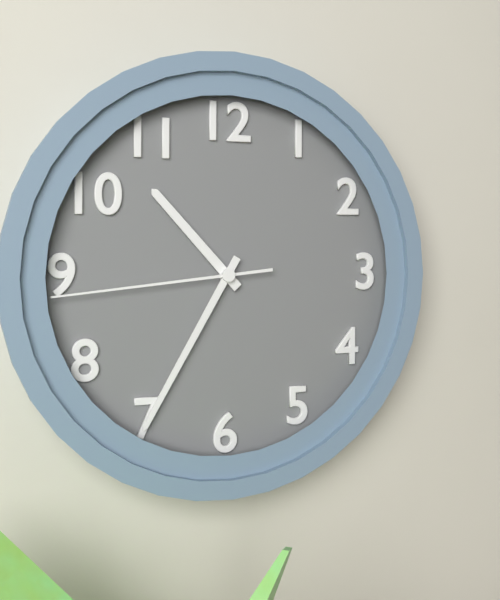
{"hour": 10, "minute": 35, "second": 44}
